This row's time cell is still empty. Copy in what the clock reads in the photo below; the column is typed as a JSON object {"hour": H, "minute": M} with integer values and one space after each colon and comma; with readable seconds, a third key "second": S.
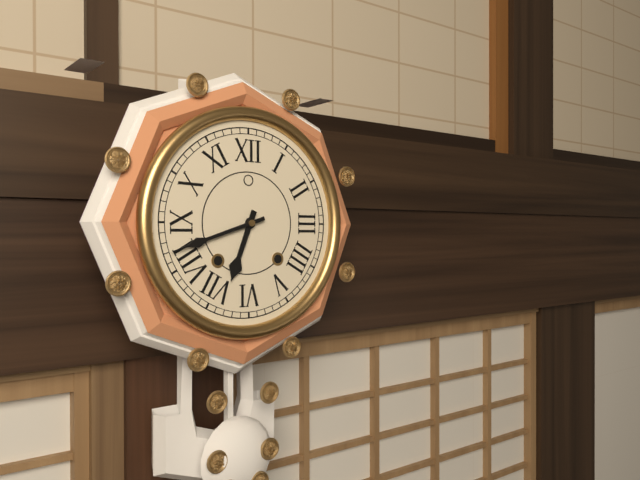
{"hour": 6, "minute": 42}
